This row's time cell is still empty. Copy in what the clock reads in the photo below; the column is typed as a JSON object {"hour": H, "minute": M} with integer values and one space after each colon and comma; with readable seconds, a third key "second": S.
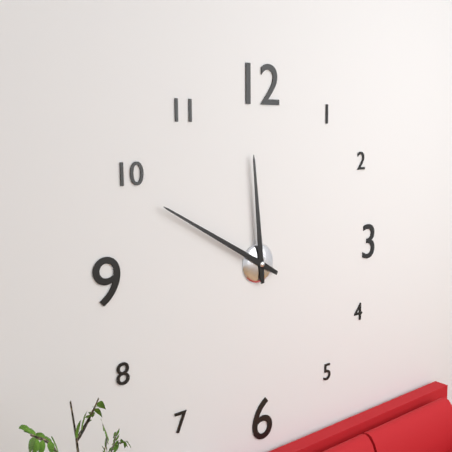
{"hour": 11, "minute": 50}
